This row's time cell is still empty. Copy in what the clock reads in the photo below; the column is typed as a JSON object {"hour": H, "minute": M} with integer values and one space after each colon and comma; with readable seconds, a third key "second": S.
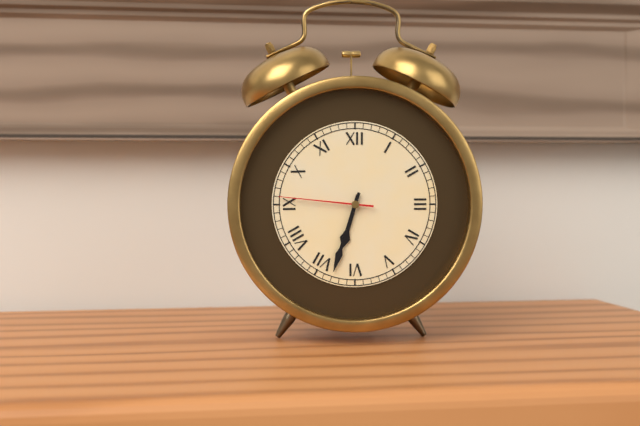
{"hour": 6, "minute": 33, "second": 46}
